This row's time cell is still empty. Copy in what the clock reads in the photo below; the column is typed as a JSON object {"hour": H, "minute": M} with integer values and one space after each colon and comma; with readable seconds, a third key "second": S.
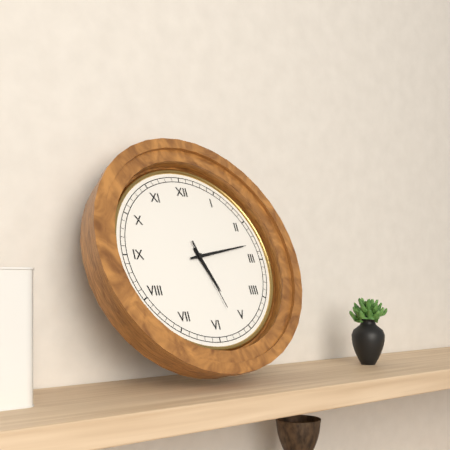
{"hour": 5, "minute": 13, "second": 27}
